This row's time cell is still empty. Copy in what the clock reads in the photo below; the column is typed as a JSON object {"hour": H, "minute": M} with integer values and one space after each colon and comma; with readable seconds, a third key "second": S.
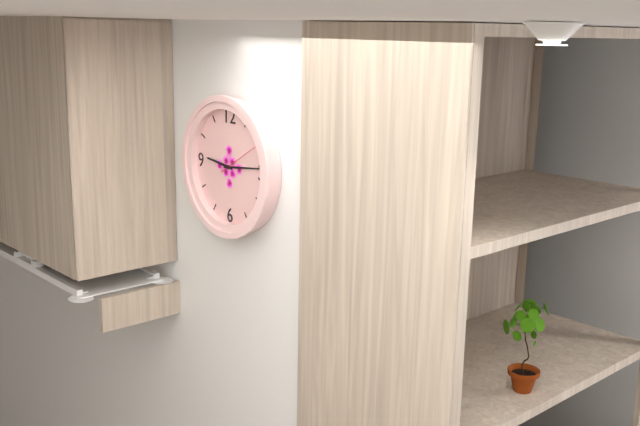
{"hour": 9, "minute": 14}
